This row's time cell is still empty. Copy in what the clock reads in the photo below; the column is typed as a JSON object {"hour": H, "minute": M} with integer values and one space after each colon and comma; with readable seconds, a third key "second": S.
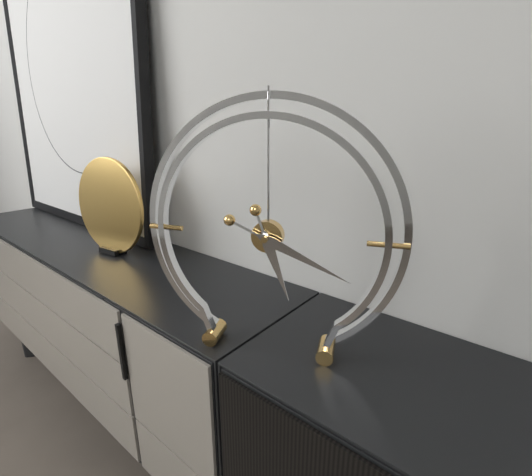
{"hour": 5, "minute": 19}
